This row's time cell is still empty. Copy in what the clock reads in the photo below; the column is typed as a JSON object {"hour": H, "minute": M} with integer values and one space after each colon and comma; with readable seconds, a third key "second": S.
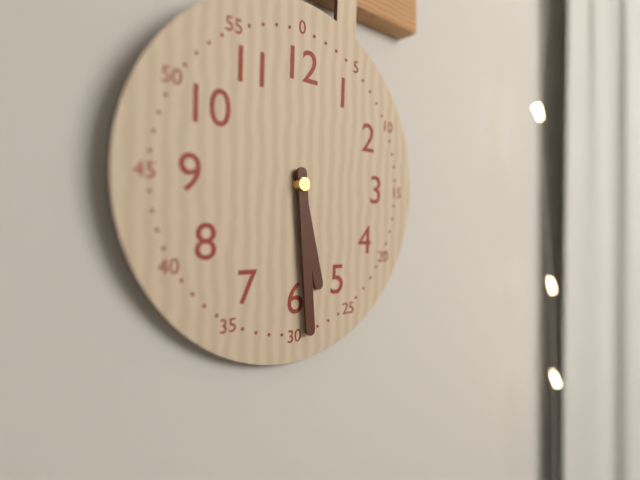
{"hour": 5, "minute": 29}
